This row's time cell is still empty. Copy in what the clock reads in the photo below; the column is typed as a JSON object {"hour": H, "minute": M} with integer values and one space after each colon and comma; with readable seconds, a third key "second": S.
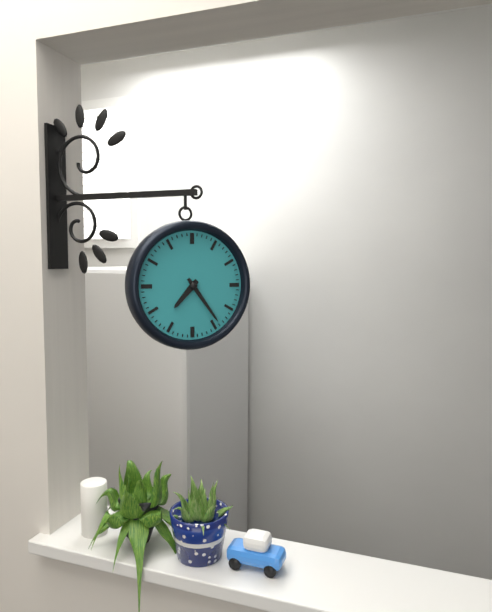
{"hour": 7, "minute": 24}
